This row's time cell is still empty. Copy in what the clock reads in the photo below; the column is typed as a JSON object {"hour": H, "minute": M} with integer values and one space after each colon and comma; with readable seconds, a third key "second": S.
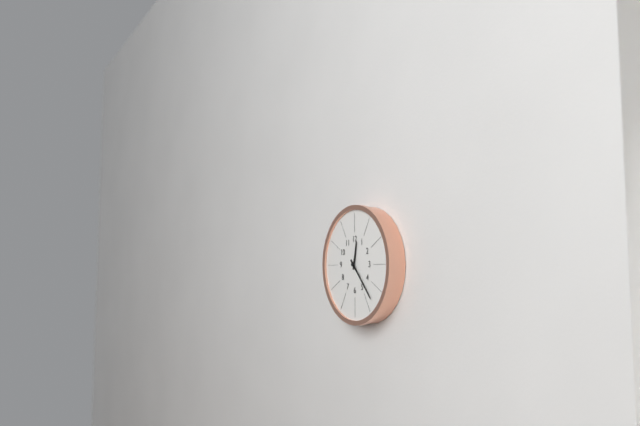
{"hour": 12, "minute": 23}
